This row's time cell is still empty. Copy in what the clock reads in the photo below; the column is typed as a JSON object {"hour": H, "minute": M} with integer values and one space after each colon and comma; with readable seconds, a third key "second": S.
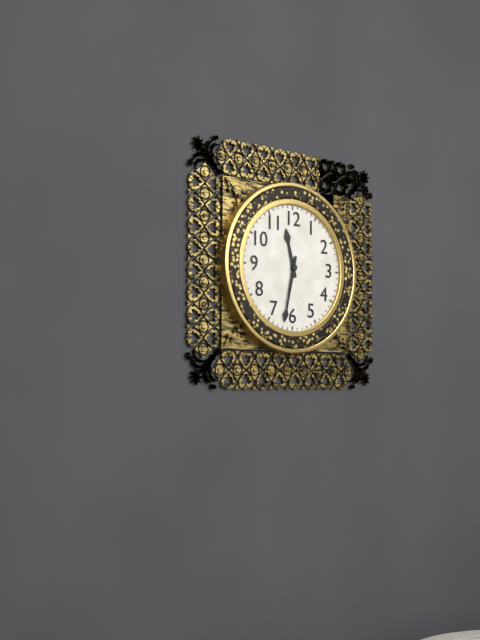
{"hour": 11, "minute": 32}
